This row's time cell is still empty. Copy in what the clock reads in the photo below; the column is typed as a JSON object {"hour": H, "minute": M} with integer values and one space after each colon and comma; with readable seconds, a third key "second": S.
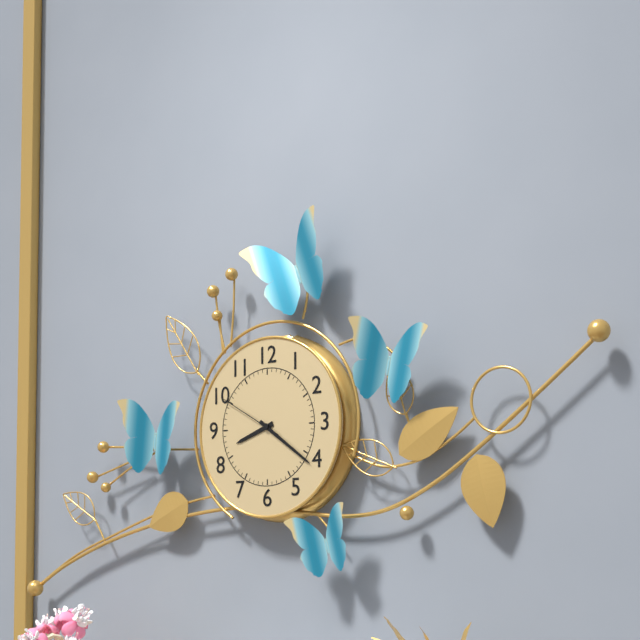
{"hour": 8, "minute": 21, "second": 50}
